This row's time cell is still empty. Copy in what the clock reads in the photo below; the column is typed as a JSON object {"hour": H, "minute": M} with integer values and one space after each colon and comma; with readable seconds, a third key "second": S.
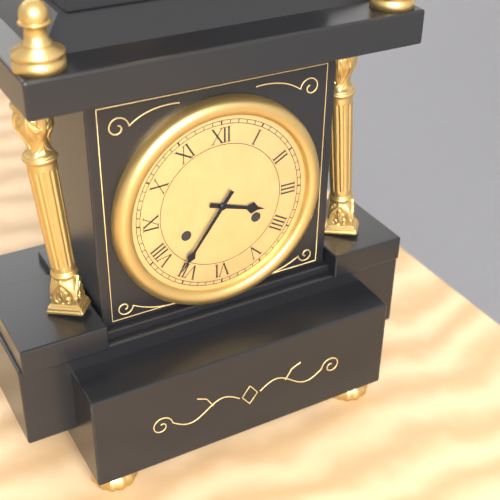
{"hour": 3, "minute": 36}
